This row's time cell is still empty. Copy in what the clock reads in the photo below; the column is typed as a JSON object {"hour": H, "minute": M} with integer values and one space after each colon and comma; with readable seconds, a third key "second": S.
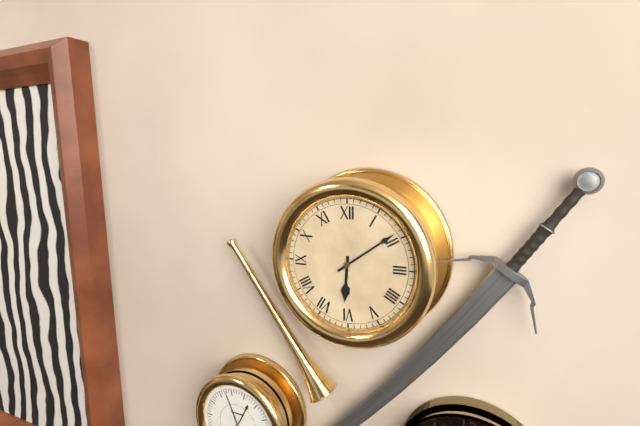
{"hour": 6, "minute": 9}
